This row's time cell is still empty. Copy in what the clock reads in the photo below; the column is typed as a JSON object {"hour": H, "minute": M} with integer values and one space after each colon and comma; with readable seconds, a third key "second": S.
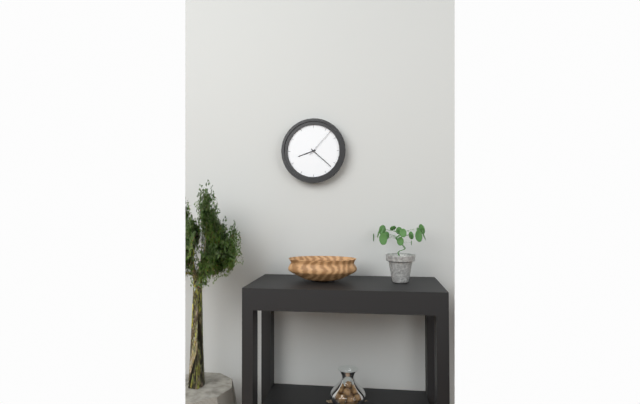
{"hour": 8, "minute": 22}
